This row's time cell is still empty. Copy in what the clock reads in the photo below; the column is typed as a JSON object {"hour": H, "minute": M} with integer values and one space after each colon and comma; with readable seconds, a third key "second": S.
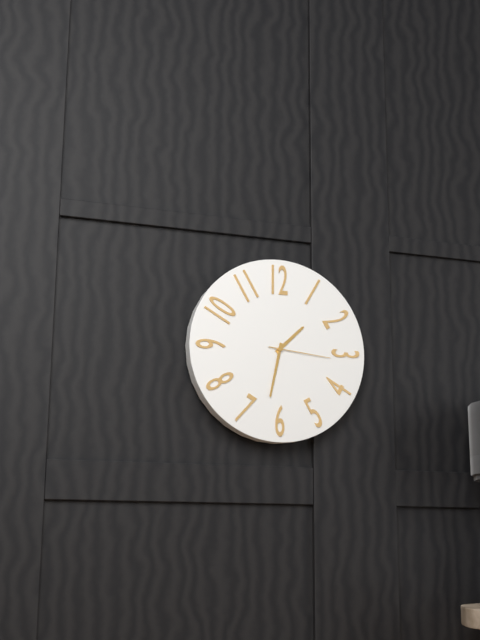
{"hour": 1, "minute": 32, "second": 16}
